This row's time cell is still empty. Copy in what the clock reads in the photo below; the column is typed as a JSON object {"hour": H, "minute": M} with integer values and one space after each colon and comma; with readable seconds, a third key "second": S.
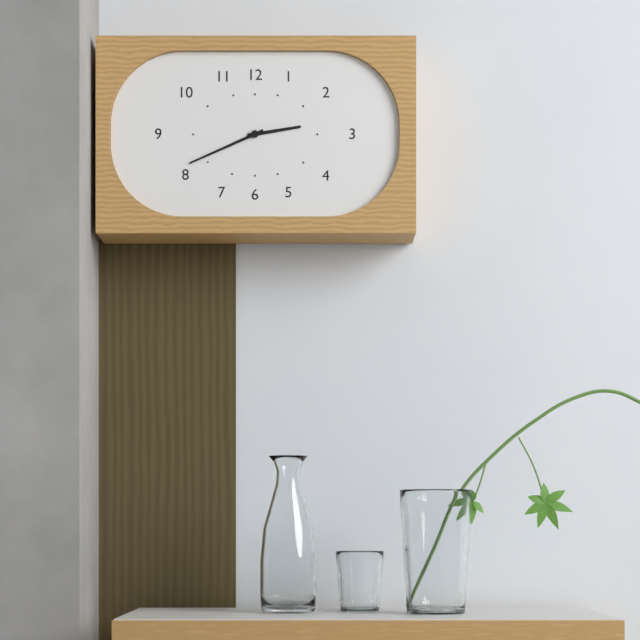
{"hour": 2, "minute": 41}
